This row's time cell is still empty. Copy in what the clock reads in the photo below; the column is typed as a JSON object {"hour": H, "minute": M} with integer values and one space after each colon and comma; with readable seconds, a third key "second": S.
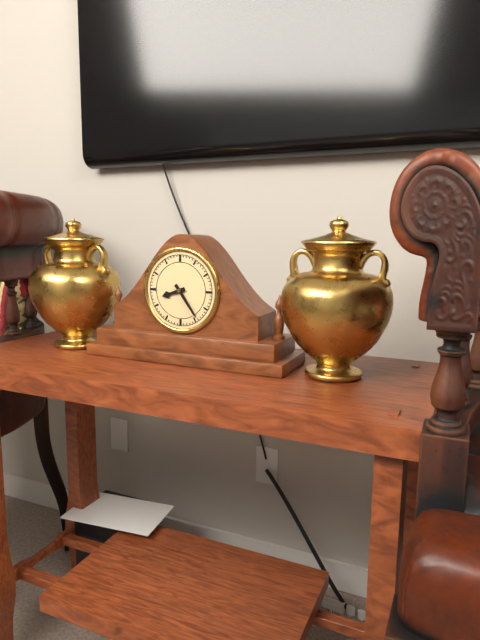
{"hour": 8, "minute": 24}
